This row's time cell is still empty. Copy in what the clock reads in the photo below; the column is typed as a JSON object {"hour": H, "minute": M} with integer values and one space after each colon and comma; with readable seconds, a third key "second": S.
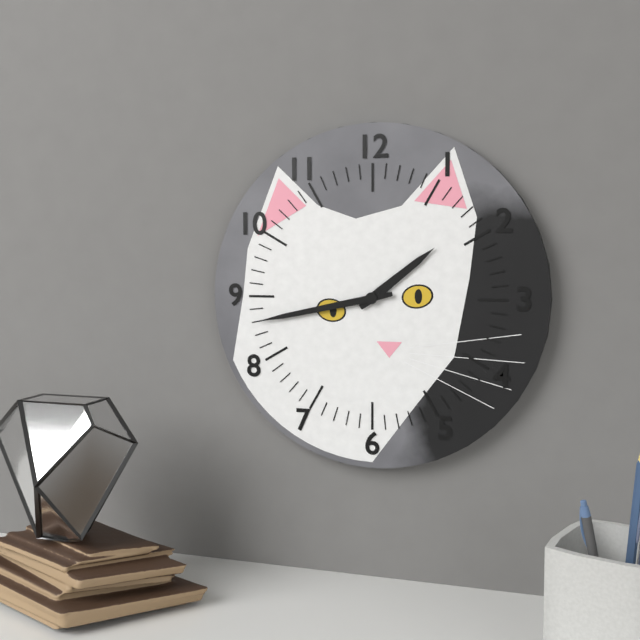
{"hour": 1, "minute": 43}
